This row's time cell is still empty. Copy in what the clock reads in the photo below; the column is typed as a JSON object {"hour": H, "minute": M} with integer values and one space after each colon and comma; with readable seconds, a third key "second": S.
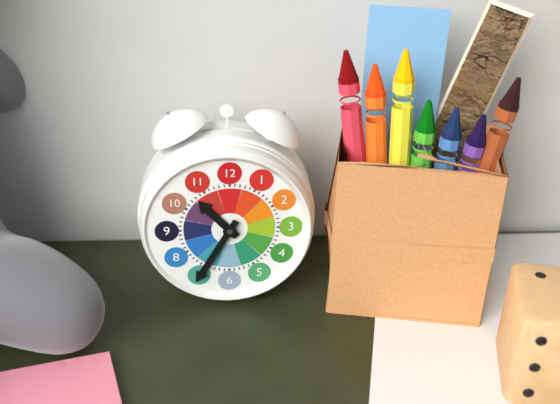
{"hour": 10, "minute": 35}
